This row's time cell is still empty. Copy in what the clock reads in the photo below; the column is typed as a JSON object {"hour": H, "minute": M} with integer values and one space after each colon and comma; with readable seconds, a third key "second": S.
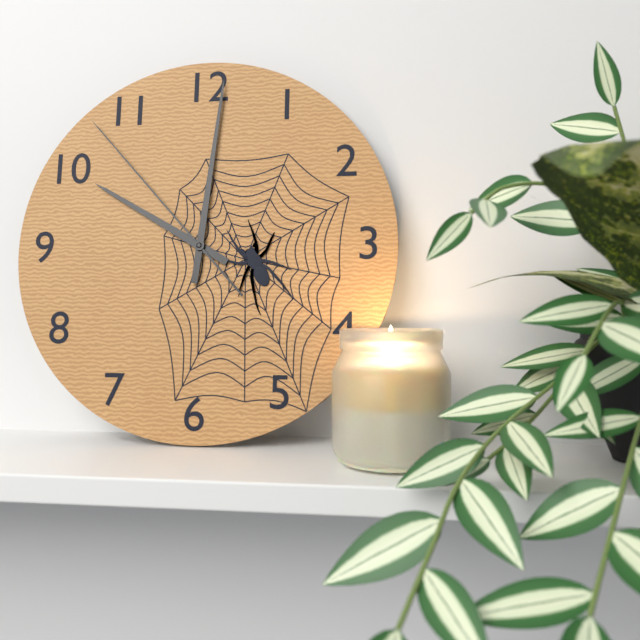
{"hour": 10, "minute": 1, "second": 53}
